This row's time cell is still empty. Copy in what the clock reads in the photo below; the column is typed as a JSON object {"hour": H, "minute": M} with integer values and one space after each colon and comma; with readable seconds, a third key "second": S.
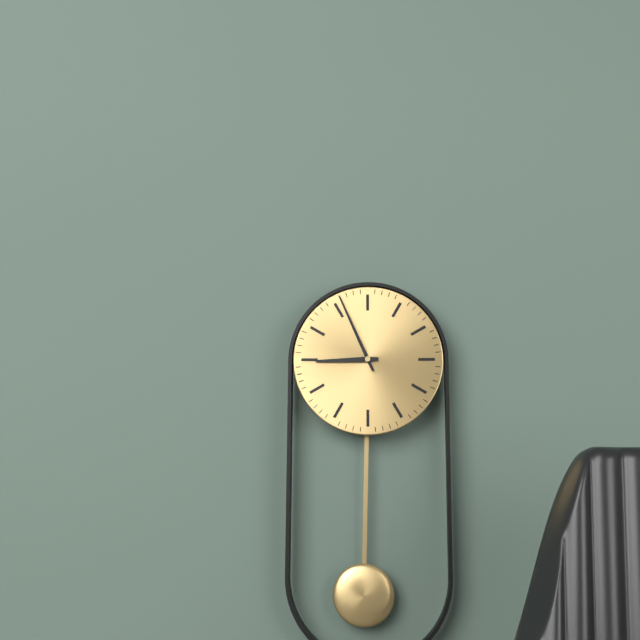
{"hour": 8, "minute": 56}
